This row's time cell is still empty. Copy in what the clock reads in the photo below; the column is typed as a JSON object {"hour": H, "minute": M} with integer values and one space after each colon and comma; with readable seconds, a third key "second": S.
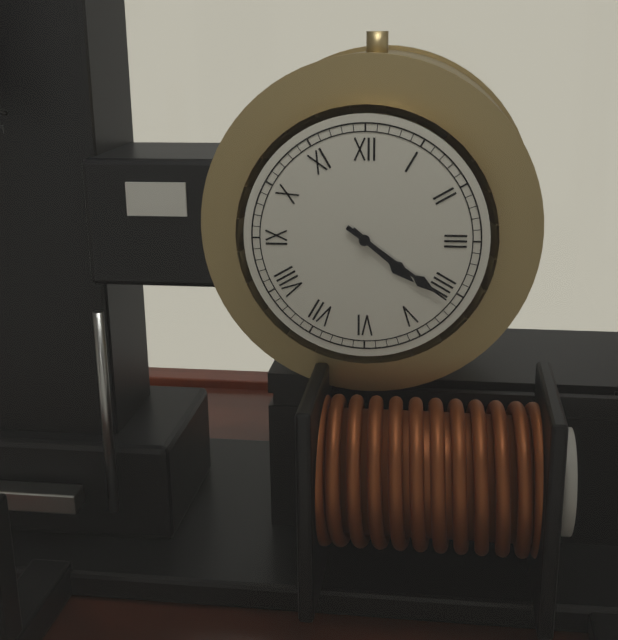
{"hour": 4, "minute": 21}
